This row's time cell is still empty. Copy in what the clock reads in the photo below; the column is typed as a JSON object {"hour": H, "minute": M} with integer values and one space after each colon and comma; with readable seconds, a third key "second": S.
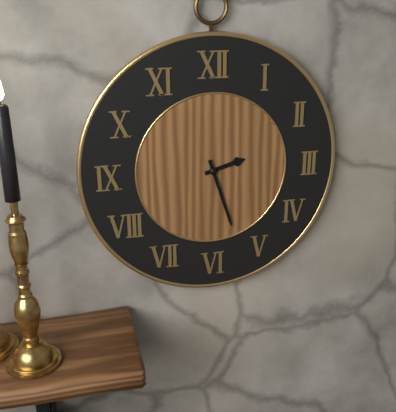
{"hour": 2, "minute": 27}
